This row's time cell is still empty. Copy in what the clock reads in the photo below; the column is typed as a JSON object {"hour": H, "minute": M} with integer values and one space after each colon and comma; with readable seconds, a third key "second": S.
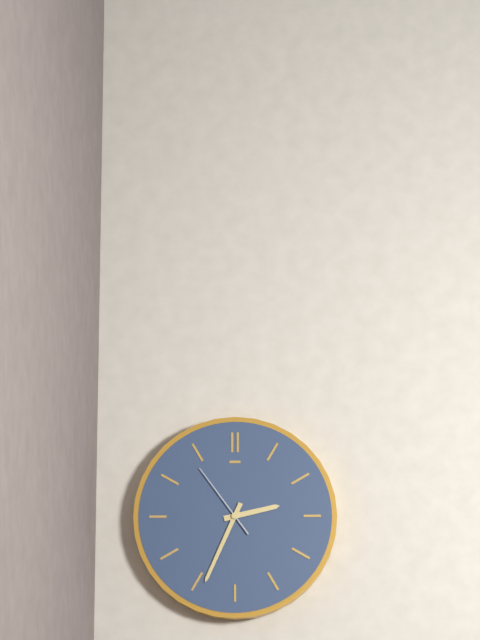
{"hour": 2, "minute": 34, "second": 54}
